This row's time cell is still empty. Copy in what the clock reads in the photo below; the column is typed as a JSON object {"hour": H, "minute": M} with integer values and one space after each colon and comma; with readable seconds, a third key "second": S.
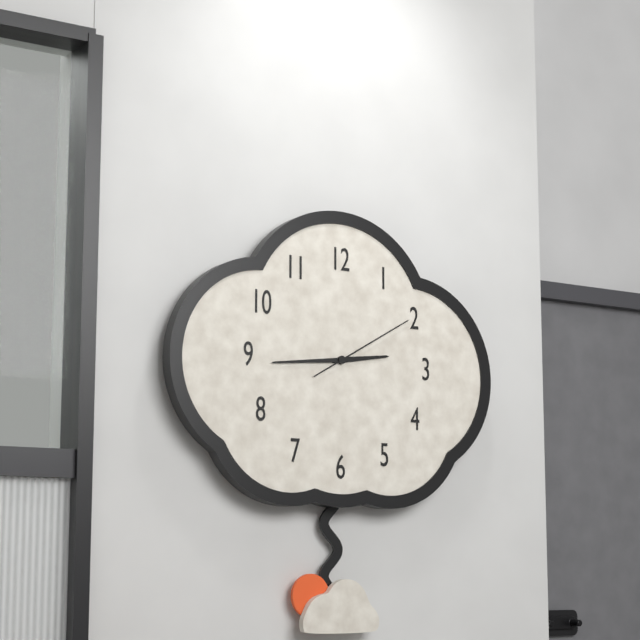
{"hour": 2, "minute": 44, "second": 10}
